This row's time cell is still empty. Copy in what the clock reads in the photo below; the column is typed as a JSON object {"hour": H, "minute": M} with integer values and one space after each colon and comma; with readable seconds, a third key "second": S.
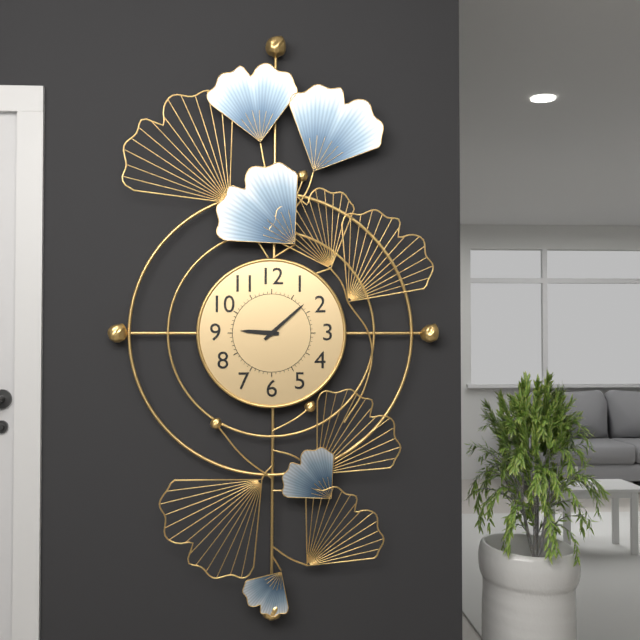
{"hour": 9, "minute": 8}
